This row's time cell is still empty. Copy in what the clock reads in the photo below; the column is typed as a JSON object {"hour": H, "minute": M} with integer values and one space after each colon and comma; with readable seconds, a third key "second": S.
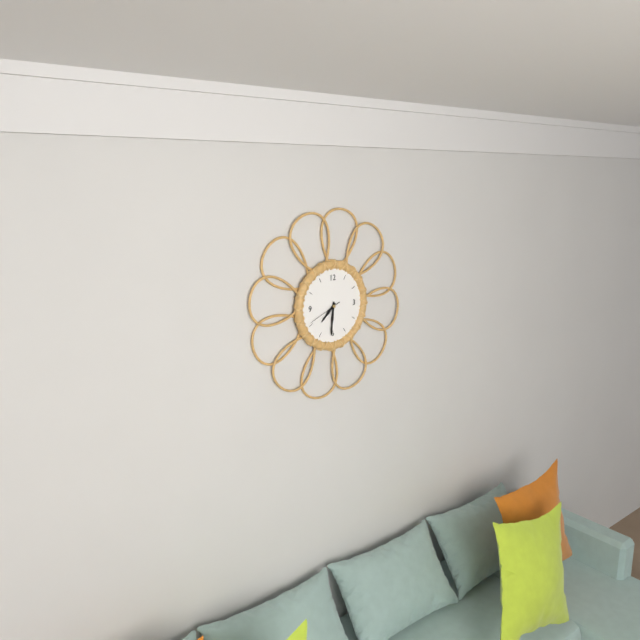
{"hour": 7, "minute": 31}
